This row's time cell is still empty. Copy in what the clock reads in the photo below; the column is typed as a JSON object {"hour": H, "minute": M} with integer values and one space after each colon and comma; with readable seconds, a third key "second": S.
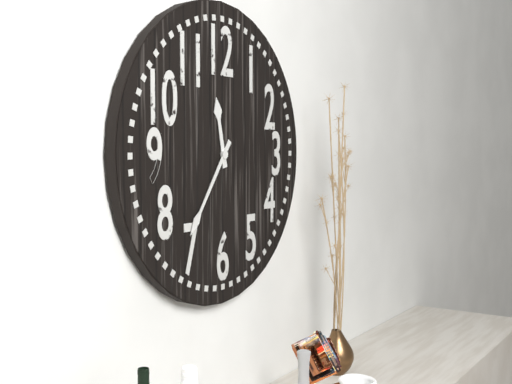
{"hour": 11, "minute": 36}
